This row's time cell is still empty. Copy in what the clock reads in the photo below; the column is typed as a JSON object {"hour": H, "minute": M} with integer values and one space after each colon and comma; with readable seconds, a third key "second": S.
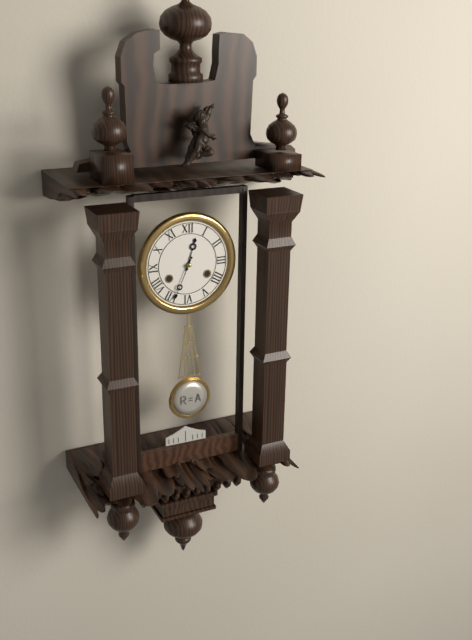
{"hour": 12, "minute": 34}
